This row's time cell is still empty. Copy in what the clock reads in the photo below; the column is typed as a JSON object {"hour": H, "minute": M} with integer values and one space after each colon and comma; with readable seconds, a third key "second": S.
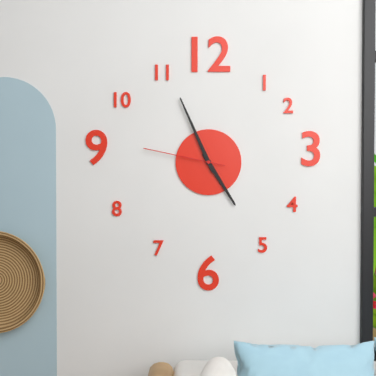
{"hour": 4, "minute": 56, "second": 47}
